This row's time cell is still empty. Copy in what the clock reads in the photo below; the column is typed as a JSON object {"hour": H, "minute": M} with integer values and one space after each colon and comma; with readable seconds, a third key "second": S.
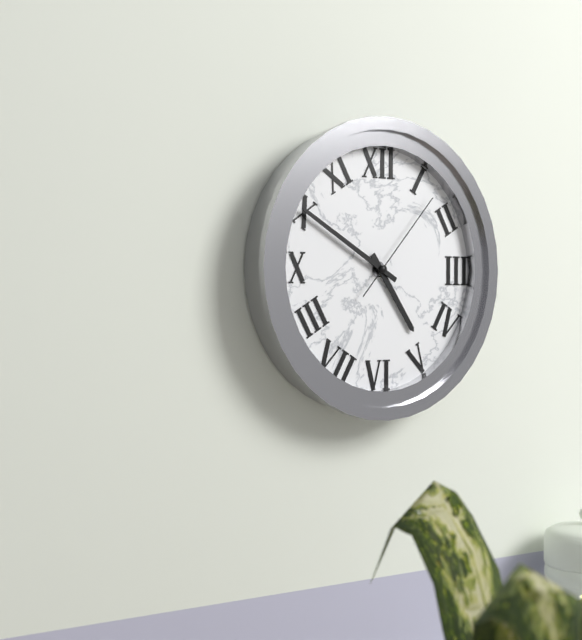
{"hour": 4, "minute": 50, "second": 7}
